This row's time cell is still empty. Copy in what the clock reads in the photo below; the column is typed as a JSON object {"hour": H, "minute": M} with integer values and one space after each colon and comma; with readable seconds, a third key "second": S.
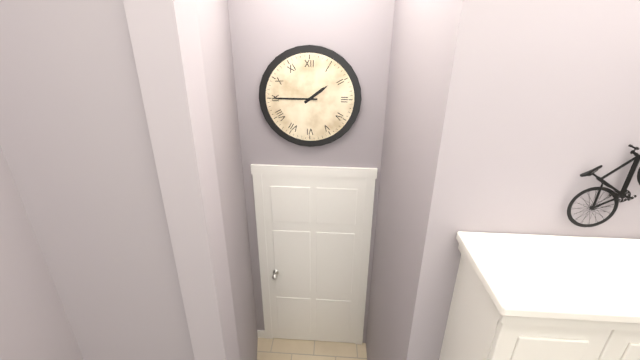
{"hour": 1, "minute": 45}
